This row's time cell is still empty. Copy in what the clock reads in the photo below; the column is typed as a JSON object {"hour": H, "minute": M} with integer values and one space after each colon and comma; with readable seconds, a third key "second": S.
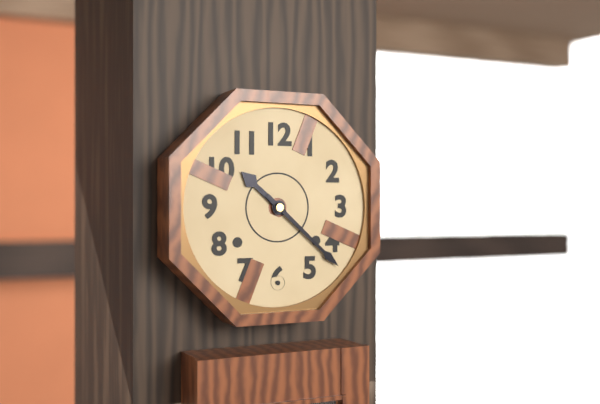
{"hour": 10, "minute": 22}
